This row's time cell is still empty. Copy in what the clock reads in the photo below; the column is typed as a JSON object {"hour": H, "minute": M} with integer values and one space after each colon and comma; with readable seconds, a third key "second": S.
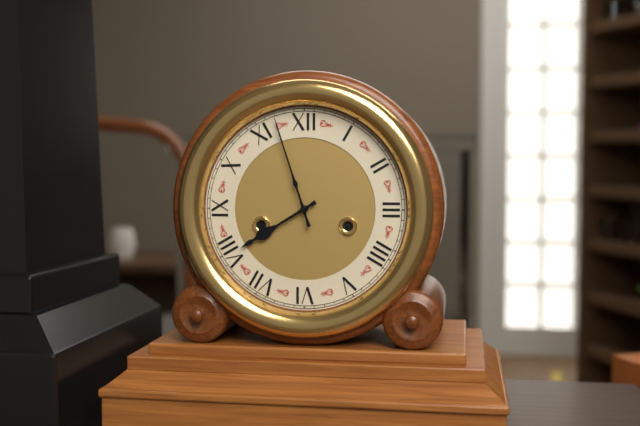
{"hour": 7, "minute": 57}
